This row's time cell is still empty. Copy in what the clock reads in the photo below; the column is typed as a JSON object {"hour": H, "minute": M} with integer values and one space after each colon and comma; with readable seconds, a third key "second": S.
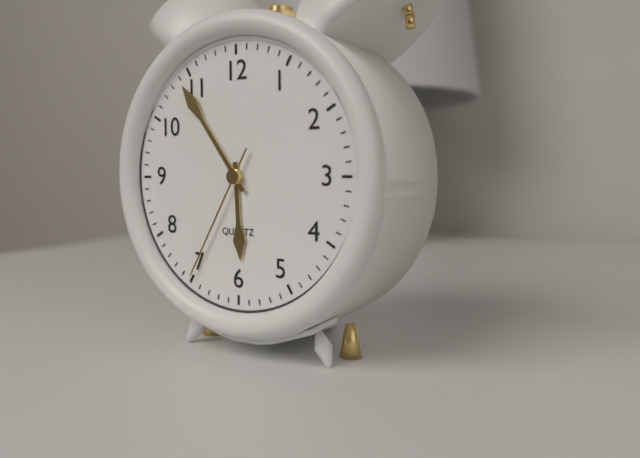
{"hour": 5, "minute": 54, "second": 35}
